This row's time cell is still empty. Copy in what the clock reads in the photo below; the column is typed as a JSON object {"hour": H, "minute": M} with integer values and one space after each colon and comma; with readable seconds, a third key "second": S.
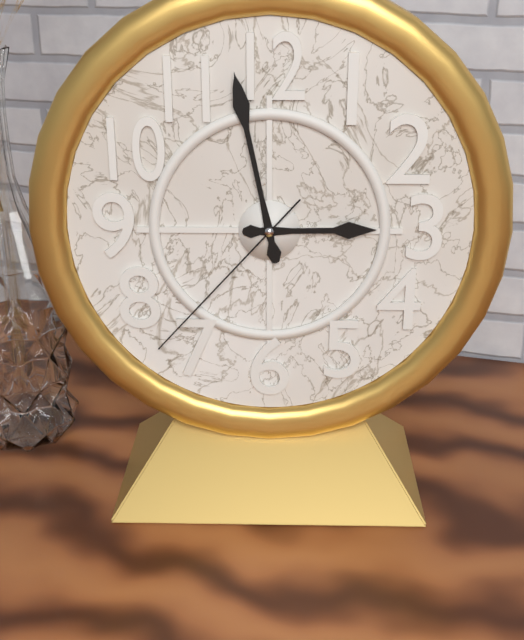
{"hour": 2, "minute": 58, "second": 37}
